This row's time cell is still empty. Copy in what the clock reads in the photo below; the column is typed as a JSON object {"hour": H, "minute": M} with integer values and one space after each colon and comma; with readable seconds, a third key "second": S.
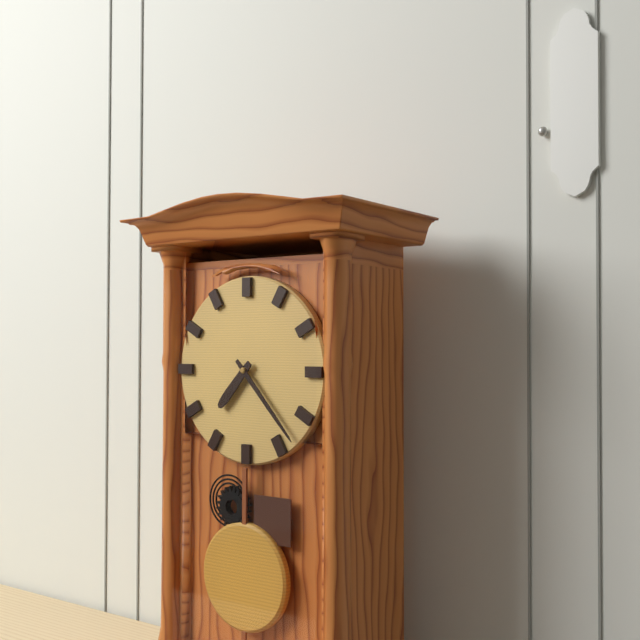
{"hour": 7, "minute": 23}
